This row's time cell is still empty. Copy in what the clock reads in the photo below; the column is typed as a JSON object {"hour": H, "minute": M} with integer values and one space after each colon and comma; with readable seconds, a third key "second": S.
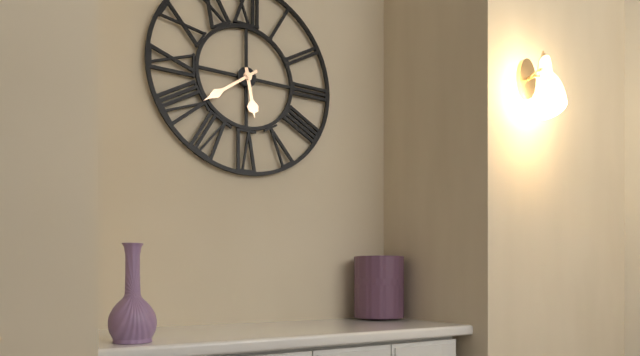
{"hour": 5, "minute": 39}
